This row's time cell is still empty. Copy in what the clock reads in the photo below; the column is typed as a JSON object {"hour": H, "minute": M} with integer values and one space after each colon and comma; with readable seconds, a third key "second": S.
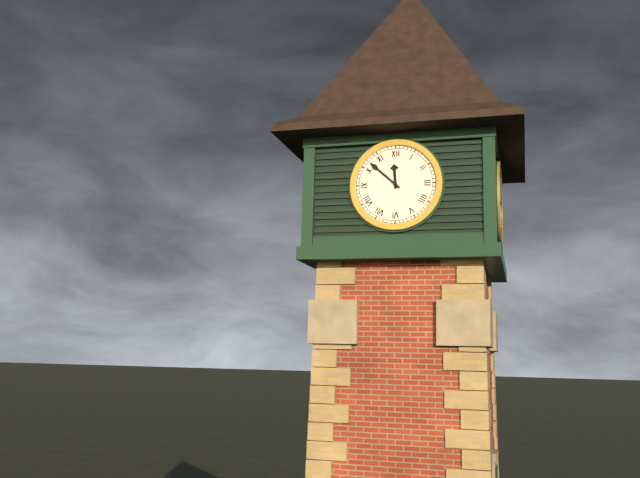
{"hour": 11, "minute": 52}
